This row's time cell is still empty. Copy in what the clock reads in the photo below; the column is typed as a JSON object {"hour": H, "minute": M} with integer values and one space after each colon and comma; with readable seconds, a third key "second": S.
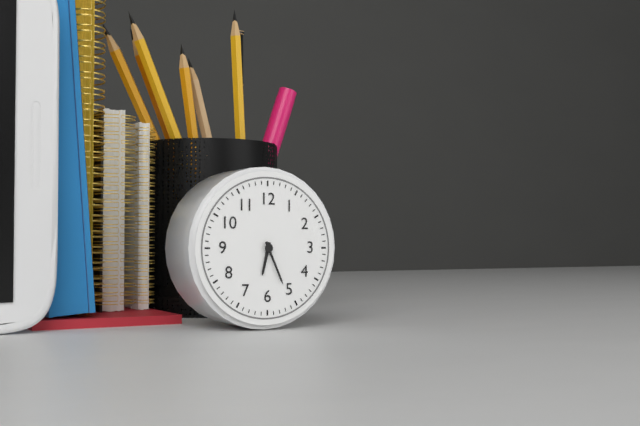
{"hour": 6, "minute": 26}
